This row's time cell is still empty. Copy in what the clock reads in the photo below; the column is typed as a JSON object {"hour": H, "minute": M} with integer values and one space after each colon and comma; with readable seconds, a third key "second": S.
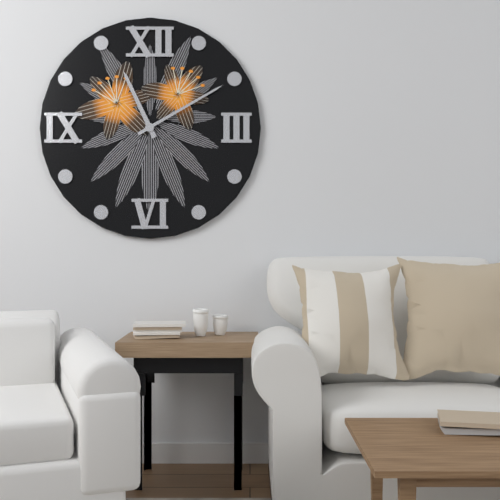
{"hour": 11, "minute": 10}
